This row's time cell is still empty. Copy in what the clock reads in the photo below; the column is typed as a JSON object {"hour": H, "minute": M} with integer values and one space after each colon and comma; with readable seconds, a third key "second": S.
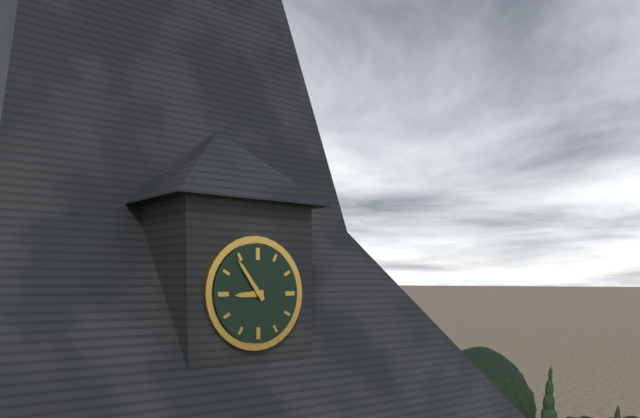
{"hour": 8, "minute": 54}
